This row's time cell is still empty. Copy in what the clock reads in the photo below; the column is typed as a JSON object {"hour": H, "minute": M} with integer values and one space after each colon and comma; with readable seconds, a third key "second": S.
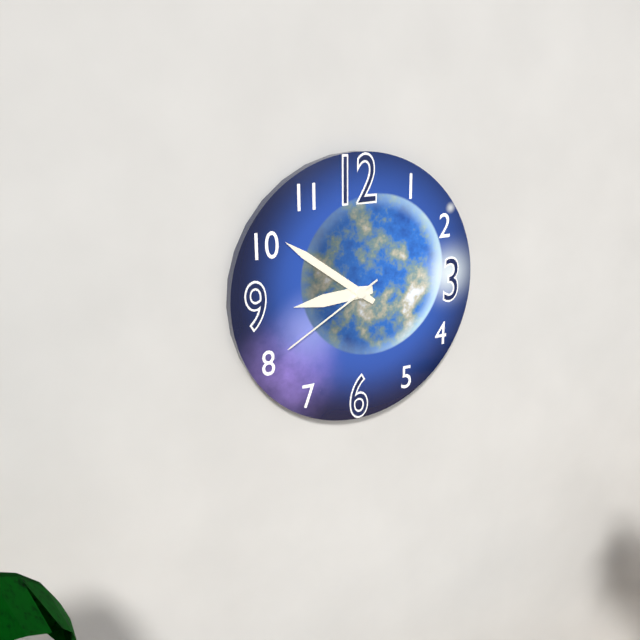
{"hour": 8, "minute": 51, "second": 40}
